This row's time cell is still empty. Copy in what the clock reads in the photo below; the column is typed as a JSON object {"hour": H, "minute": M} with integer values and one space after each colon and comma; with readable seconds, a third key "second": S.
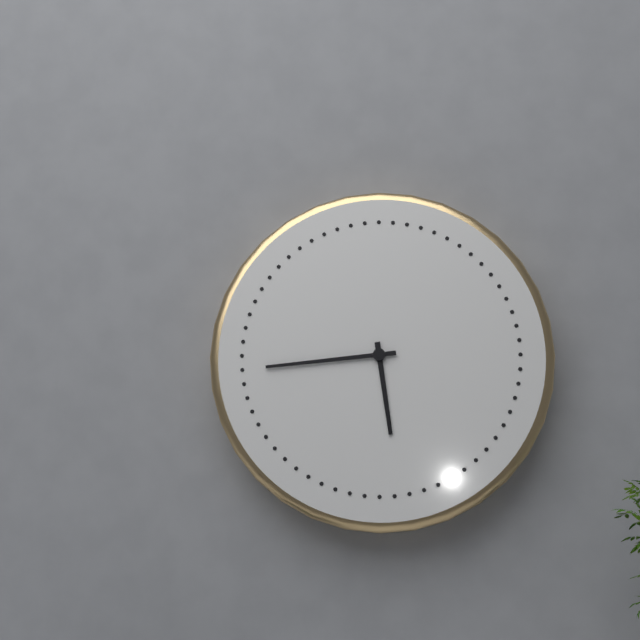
{"hour": 5, "minute": 44}
